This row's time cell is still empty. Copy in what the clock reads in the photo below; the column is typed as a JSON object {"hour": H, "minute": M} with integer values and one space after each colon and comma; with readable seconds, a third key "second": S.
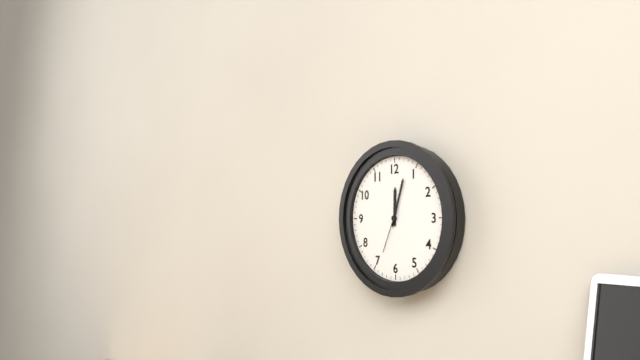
{"hour": 12, "minute": 3}
